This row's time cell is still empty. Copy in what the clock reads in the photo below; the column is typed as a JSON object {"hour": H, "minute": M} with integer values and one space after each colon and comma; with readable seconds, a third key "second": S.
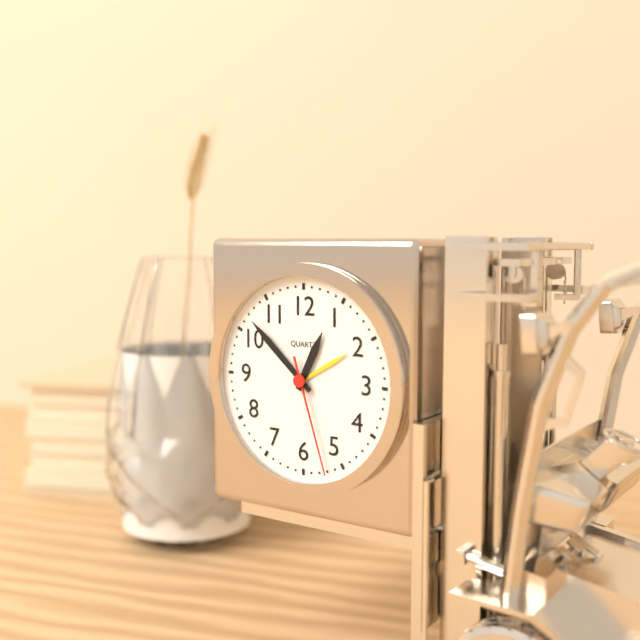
{"hour": 12, "minute": 52, "second": 27}
